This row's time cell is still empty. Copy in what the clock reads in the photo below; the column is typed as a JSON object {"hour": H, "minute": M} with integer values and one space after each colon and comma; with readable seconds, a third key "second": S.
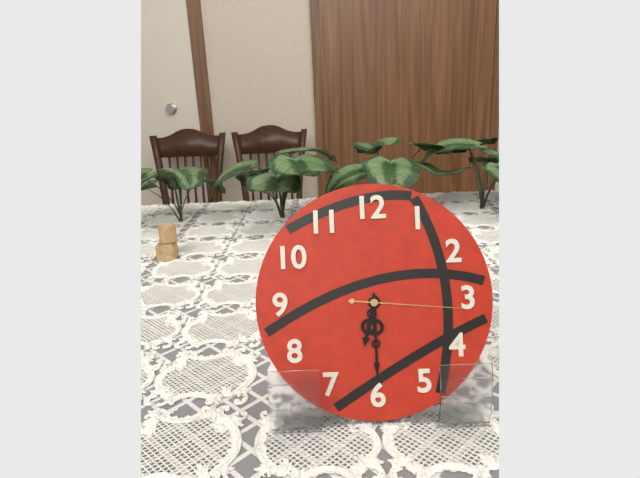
{"hour": 6, "minute": 30, "second": 16}
